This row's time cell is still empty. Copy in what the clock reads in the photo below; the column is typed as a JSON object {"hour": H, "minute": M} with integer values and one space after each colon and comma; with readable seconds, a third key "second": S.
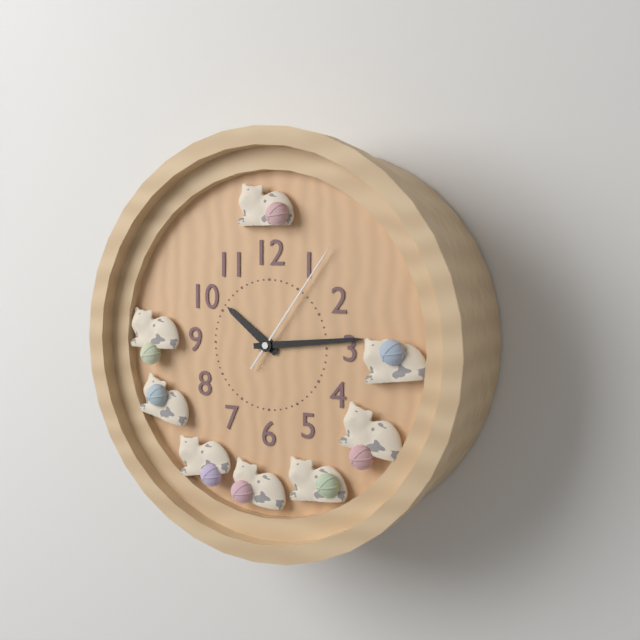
{"hour": 10, "minute": 14, "second": 6}
